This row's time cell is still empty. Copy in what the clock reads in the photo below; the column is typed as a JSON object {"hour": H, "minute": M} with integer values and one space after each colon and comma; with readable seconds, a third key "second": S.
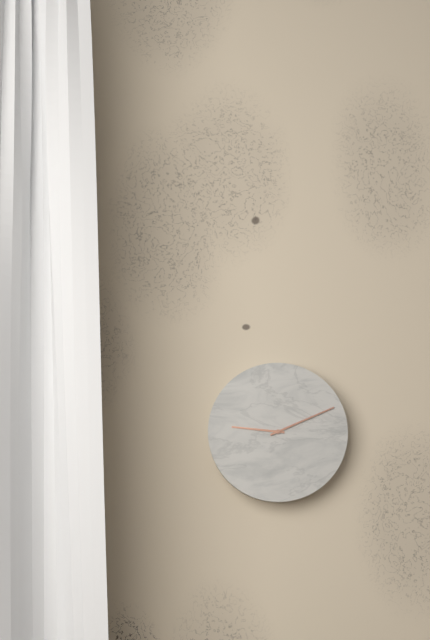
{"hour": 9, "minute": 11}
